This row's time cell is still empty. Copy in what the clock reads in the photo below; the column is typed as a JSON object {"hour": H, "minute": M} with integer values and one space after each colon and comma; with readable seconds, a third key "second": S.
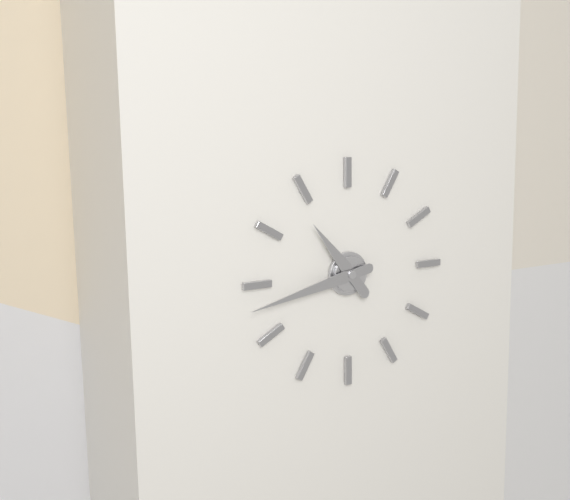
{"hour": 10, "minute": 43}
